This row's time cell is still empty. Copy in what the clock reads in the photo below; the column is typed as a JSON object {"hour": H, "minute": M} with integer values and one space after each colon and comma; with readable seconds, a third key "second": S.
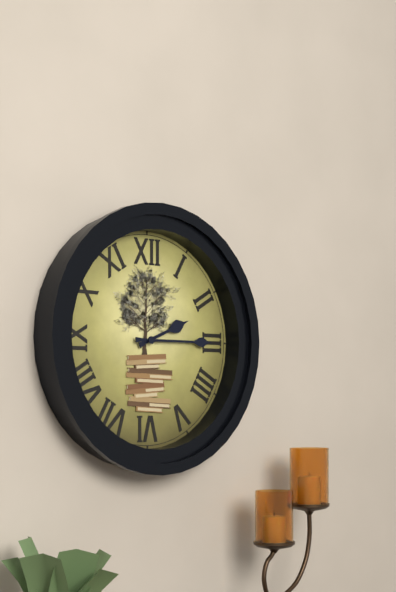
{"hour": 2, "minute": 15}
